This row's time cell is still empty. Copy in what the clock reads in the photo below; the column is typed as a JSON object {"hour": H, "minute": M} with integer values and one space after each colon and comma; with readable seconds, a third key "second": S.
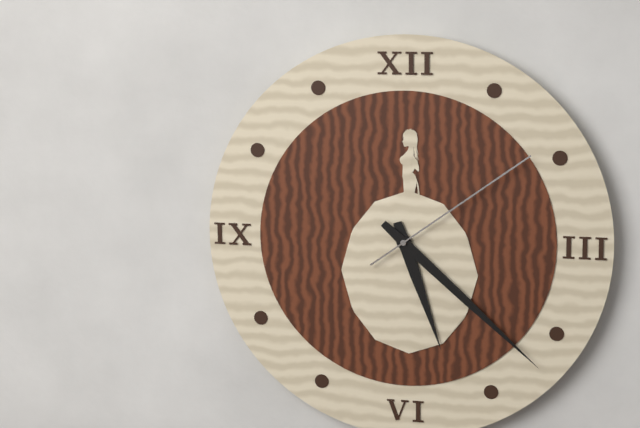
{"hour": 5, "minute": 22, "second": 9}
